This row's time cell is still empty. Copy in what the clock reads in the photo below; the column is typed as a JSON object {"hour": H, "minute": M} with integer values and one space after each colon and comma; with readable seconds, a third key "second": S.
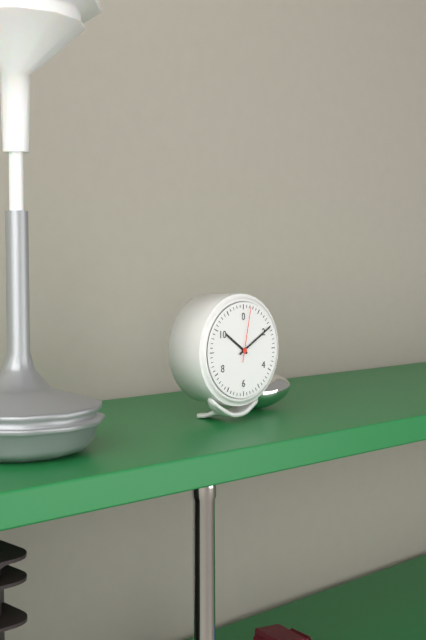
{"hour": 10, "minute": 10, "second": 2}
